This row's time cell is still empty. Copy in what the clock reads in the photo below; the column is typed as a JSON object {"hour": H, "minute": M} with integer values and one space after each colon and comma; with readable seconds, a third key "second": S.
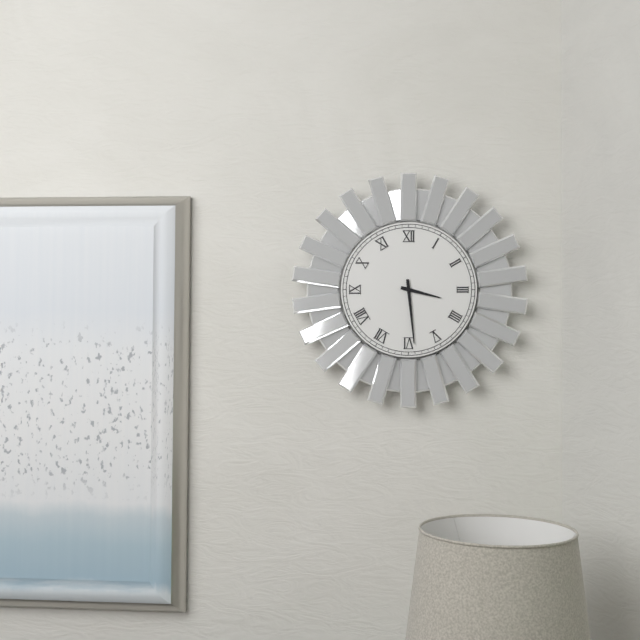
{"hour": 3, "minute": 29}
